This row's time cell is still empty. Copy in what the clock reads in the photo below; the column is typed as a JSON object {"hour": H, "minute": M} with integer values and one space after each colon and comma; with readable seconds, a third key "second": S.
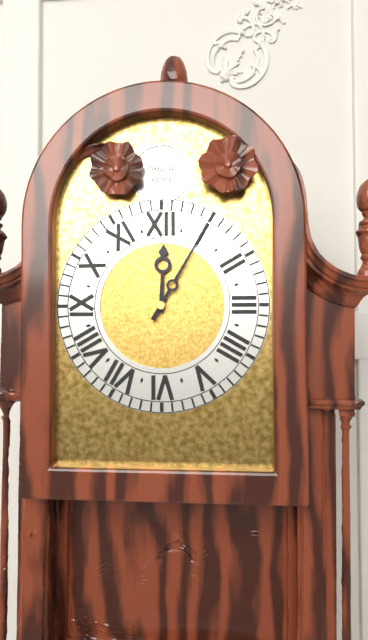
{"hour": 12, "minute": 5}
